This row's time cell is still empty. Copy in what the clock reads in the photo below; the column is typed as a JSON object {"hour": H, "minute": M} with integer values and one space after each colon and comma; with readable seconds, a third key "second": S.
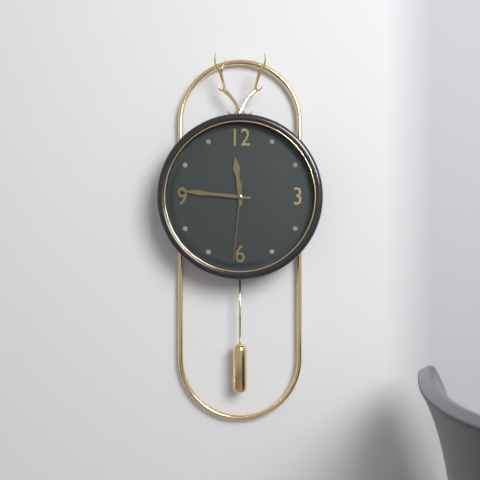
{"hour": 11, "minute": 46, "second": 31}
